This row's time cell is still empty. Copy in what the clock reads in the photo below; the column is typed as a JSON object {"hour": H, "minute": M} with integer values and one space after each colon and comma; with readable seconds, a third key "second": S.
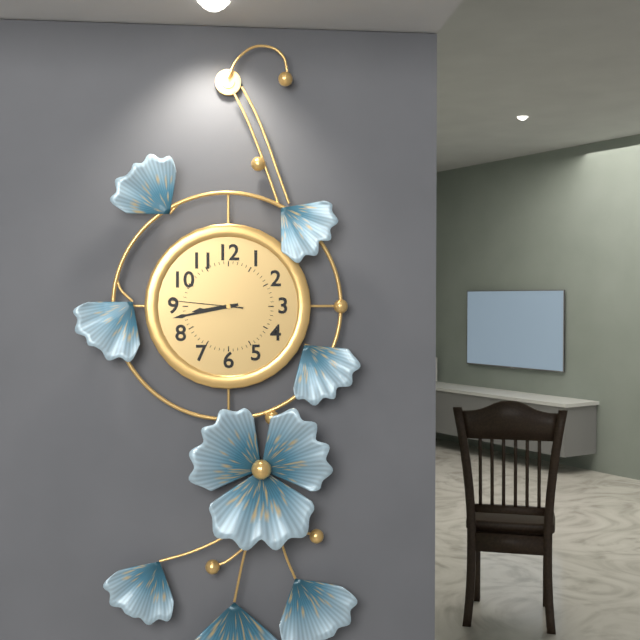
{"hour": 8, "minute": 43, "second": 46}
